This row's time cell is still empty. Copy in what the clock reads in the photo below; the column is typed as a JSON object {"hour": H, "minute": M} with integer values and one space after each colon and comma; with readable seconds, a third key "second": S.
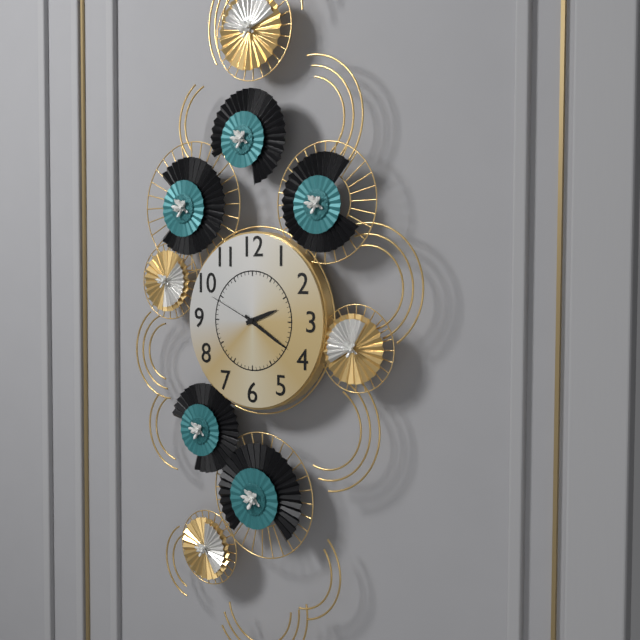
{"hour": 2, "minute": 20, "second": 49}
